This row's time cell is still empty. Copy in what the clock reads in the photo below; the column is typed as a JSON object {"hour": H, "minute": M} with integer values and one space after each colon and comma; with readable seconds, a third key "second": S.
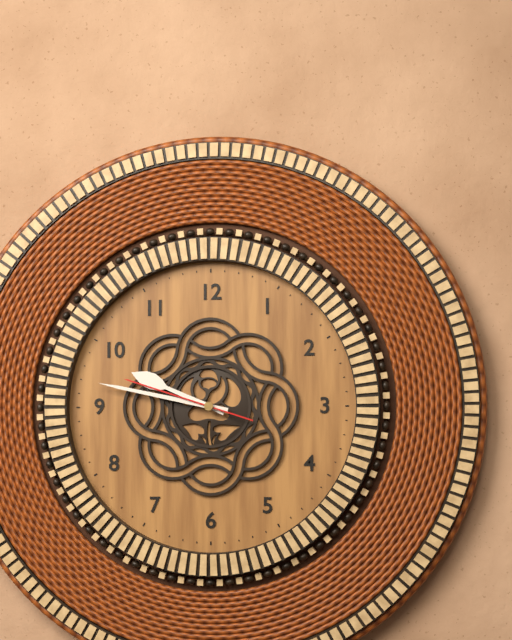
{"hour": 9, "minute": 47, "second": 48}
